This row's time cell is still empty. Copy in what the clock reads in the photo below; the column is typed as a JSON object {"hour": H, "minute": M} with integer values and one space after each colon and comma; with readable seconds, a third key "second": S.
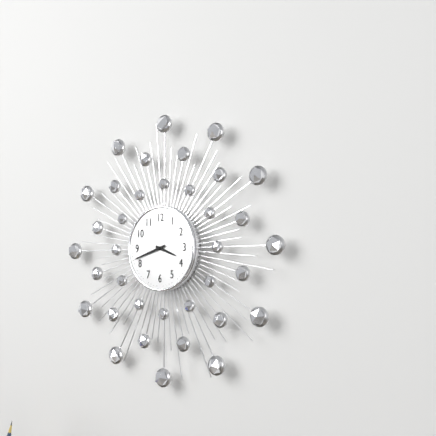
{"hour": 3, "minute": 42}
